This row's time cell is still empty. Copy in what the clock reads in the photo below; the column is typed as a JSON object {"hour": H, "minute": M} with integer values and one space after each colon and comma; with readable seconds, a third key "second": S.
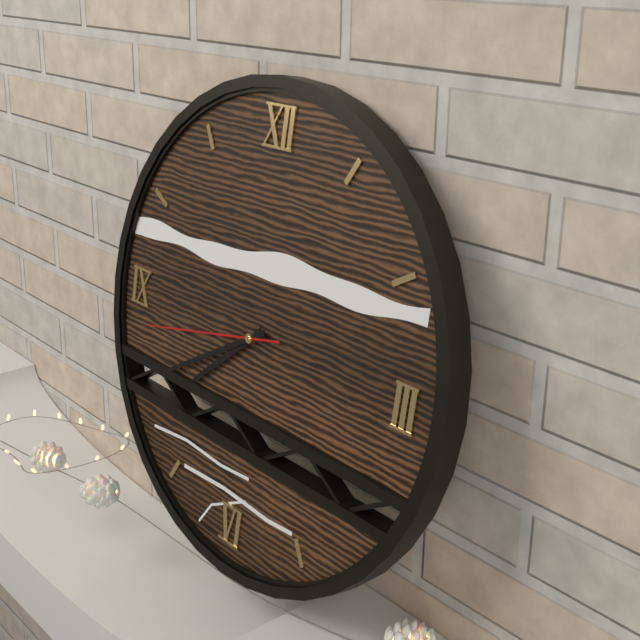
{"hour": 7, "minute": 40, "second": 43}
